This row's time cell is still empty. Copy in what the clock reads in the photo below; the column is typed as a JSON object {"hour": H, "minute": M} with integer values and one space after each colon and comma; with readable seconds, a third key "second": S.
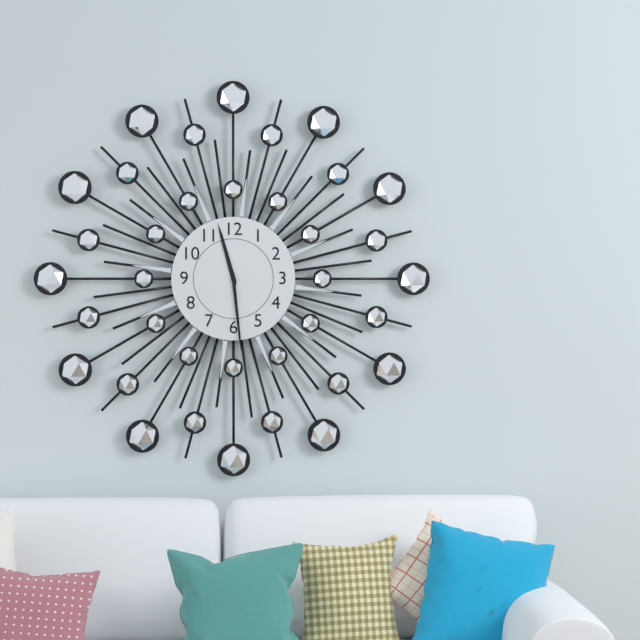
{"hour": 11, "minute": 29}
